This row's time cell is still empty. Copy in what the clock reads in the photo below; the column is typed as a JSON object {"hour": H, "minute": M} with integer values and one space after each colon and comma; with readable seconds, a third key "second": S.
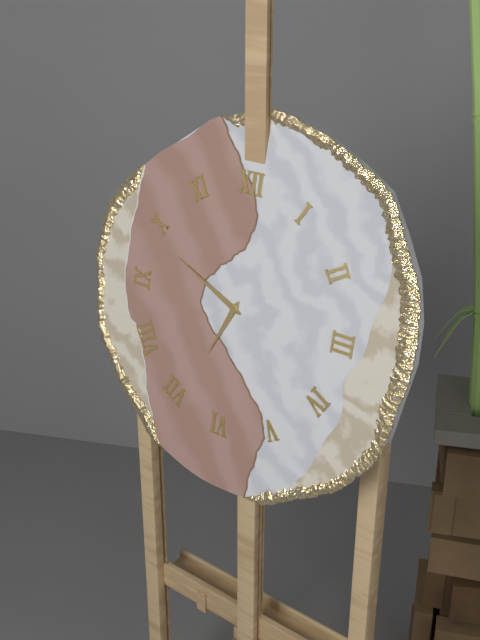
{"hour": 6, "minute": 49}
